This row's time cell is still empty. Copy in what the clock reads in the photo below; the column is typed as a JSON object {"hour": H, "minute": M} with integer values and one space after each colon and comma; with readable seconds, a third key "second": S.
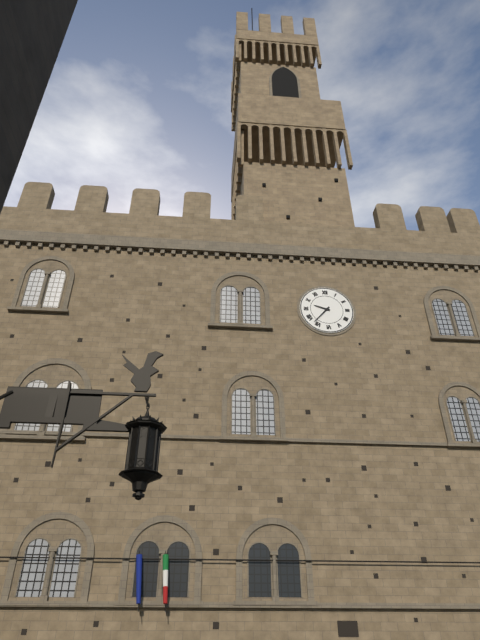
{"hour": 9, "minute": 37}
